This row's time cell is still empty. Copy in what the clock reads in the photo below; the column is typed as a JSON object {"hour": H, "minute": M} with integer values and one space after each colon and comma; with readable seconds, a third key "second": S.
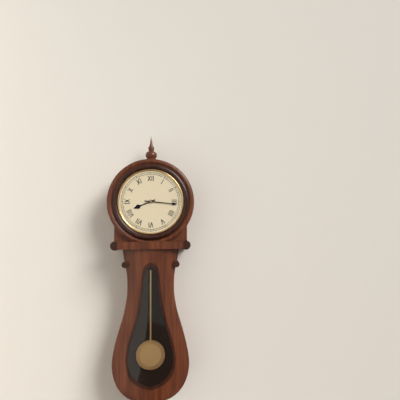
{"hour": 8, "minute": 16}
